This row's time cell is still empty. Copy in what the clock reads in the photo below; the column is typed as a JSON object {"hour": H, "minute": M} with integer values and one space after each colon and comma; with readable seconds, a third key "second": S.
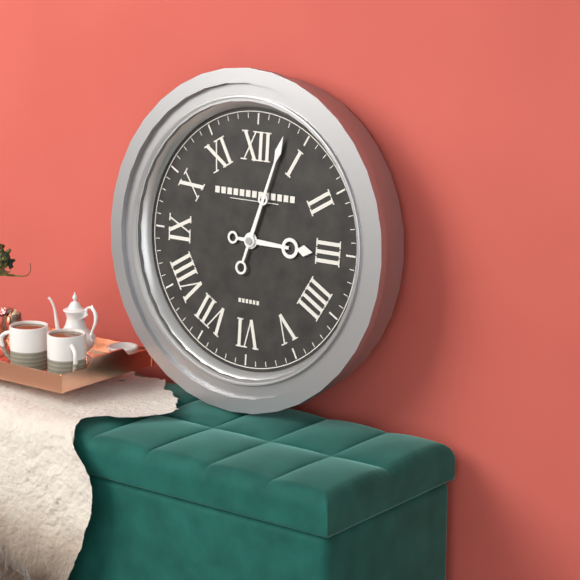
{"hour": 3, "minute": 3}
